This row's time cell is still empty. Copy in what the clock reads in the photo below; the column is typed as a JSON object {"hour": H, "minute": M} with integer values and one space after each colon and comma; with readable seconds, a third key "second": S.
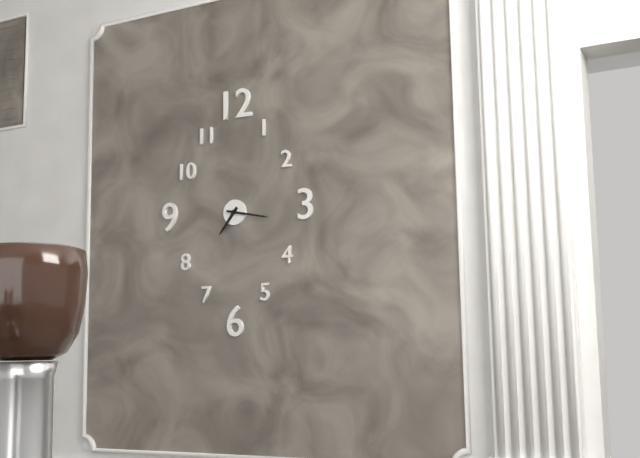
{"hour": 7, "minute": 17}
